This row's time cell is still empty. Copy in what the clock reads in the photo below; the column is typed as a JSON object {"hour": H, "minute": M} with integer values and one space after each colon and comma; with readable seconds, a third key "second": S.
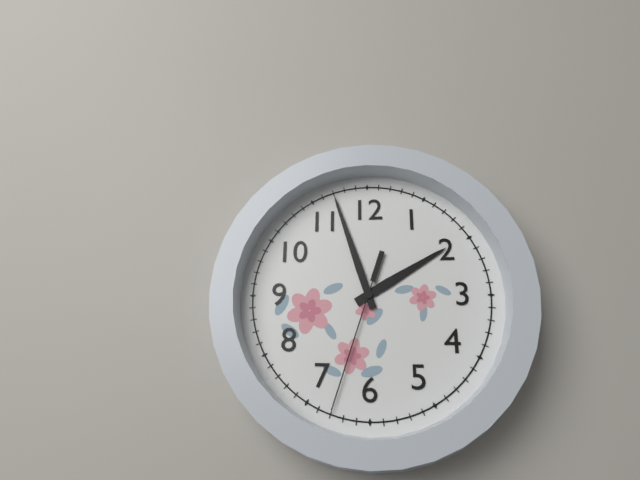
{"hour": 1, "minute": 57, "second": 33}
